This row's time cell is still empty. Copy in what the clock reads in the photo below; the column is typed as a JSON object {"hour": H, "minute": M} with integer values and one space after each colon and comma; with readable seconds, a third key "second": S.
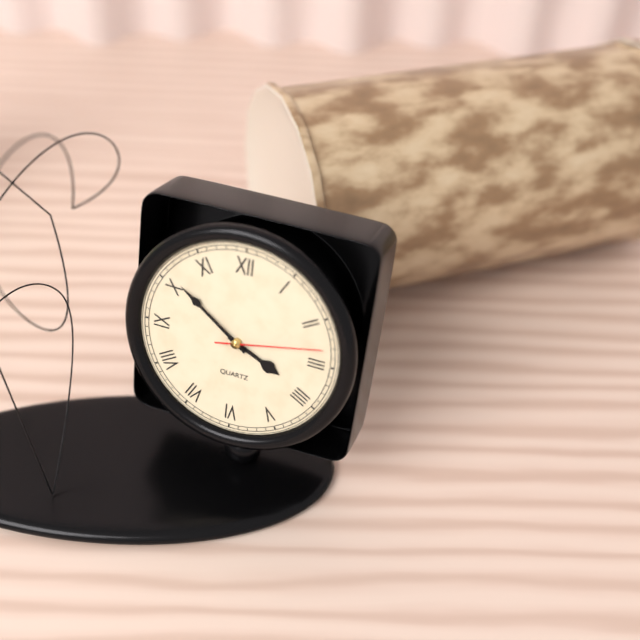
{"hour": 3, "minute": 51, "second": 13}
